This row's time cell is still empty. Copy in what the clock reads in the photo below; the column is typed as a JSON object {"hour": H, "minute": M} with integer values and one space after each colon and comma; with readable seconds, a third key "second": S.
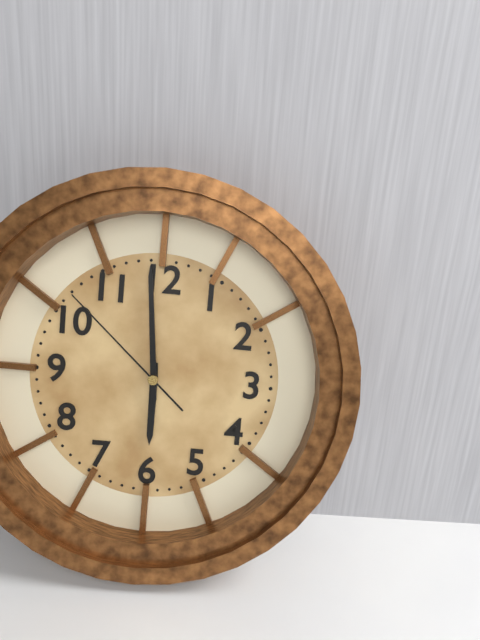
{"hour": 5, "minute": 59, "second": 52}
